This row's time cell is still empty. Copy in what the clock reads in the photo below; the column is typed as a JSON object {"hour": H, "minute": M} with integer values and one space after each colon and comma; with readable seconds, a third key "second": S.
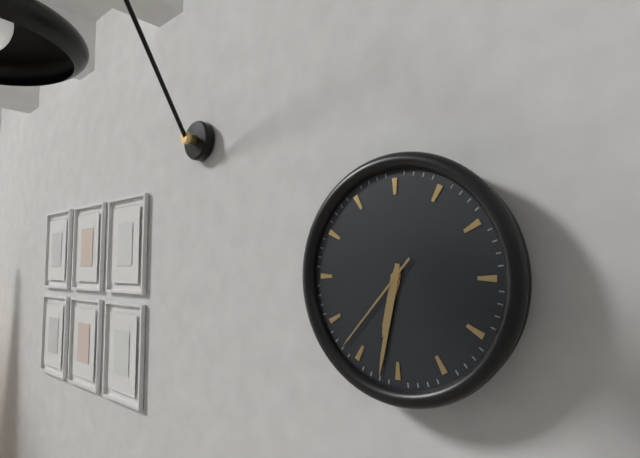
{"hour": 6, "minute": 32, "second": 37}
